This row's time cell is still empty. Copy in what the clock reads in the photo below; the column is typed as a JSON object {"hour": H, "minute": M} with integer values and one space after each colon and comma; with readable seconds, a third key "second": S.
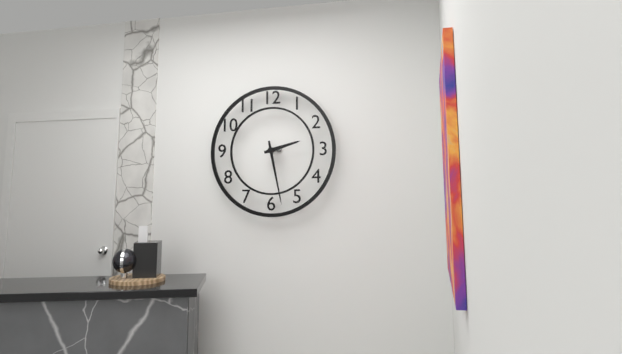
{"hour": 2, "minute": 28}
